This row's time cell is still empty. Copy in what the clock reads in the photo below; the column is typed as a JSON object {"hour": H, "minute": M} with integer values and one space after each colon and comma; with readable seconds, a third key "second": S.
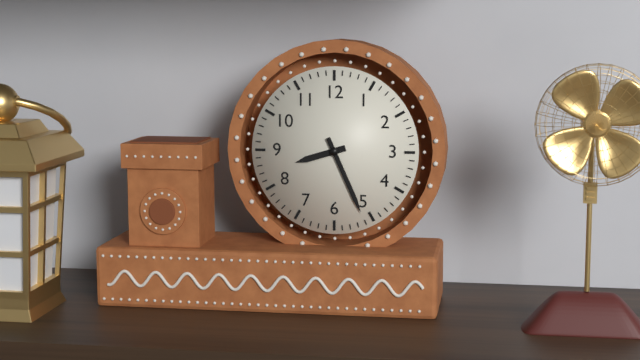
{"hour": 8, "minute": 26}
